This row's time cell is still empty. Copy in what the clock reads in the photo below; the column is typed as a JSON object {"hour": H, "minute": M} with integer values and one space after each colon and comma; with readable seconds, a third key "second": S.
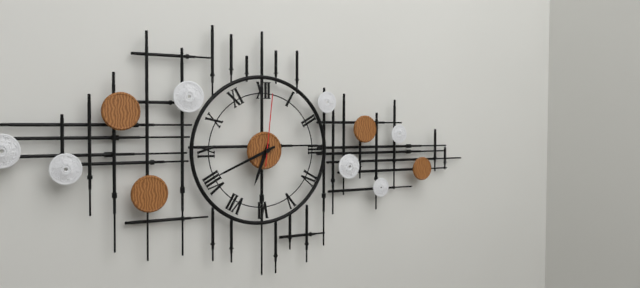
{"hour": 6, "minute": 41, "second": 1}
